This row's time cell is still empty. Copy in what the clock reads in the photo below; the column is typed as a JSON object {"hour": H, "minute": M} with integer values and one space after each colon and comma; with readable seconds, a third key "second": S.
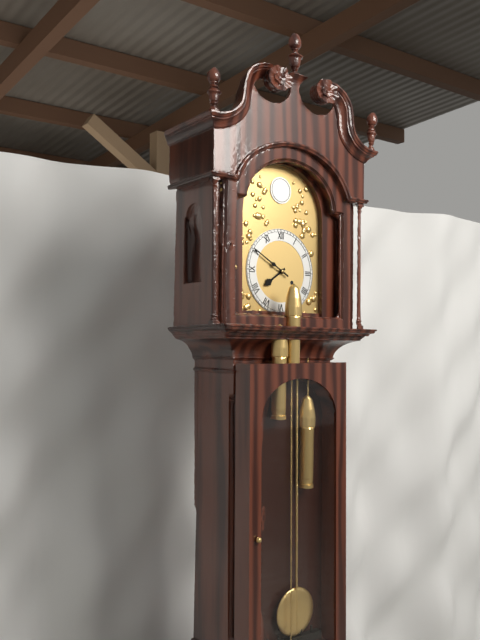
{"hour": 7, "minute": 50}
